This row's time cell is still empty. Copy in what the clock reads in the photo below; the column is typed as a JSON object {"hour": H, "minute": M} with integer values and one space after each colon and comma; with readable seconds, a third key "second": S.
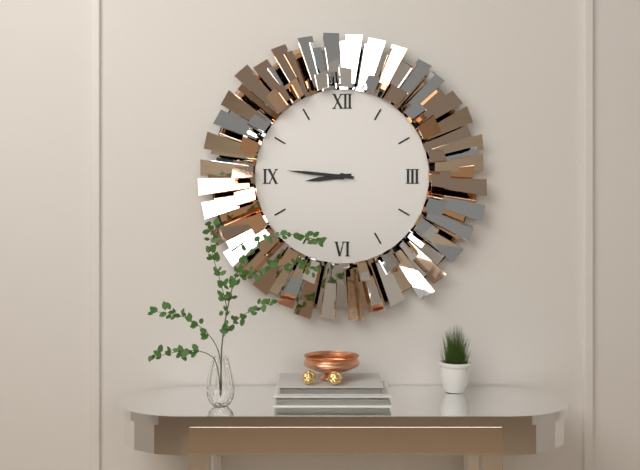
{"hour": 8, "minute": 46}
